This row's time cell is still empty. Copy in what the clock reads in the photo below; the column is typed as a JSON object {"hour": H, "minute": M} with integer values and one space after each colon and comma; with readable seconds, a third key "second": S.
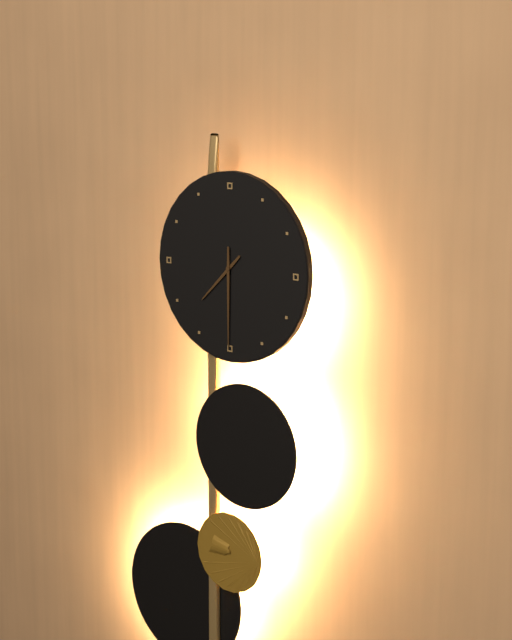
{"hour": 7, "minute": 30}
